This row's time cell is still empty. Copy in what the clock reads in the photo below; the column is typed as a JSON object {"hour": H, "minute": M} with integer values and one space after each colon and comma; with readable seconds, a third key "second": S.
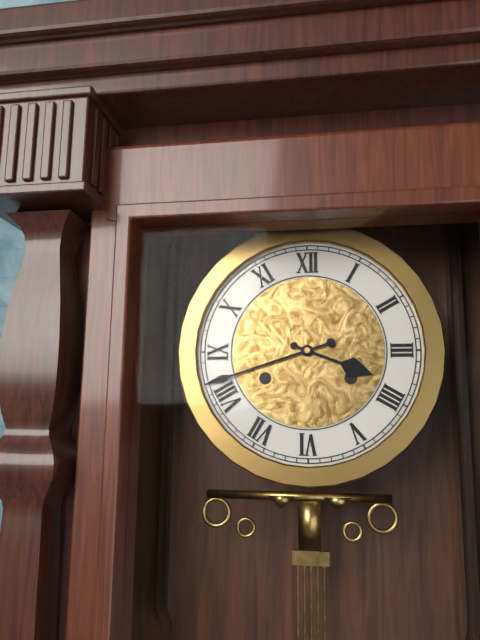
{"hour": 3, "minute": 42}
